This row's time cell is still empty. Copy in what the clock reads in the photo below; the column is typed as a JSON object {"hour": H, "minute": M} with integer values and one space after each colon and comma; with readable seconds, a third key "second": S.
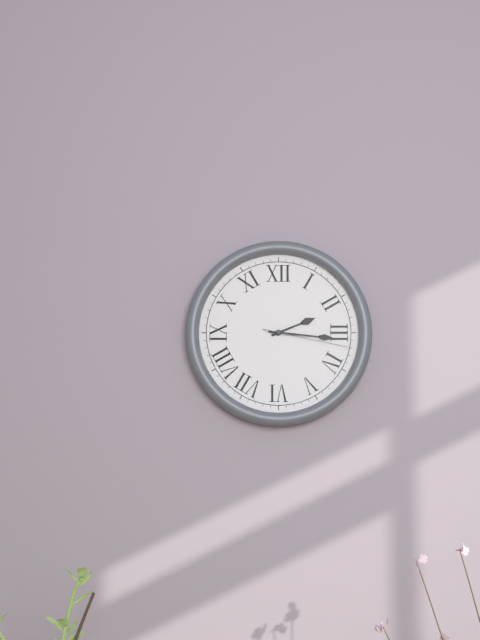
{"hour": 2, "minute": 16, "second": 17}
